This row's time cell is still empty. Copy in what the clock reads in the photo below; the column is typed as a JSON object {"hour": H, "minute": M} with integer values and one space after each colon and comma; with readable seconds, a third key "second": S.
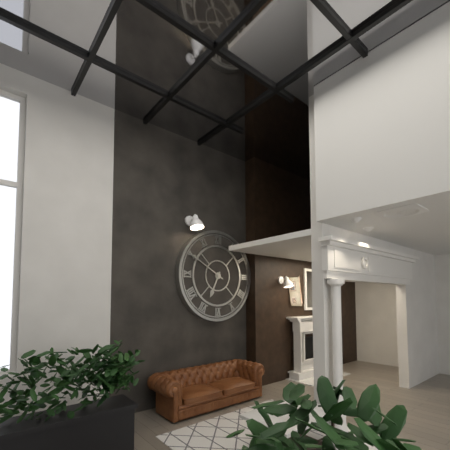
{"hour": 6, "minute": 50}
